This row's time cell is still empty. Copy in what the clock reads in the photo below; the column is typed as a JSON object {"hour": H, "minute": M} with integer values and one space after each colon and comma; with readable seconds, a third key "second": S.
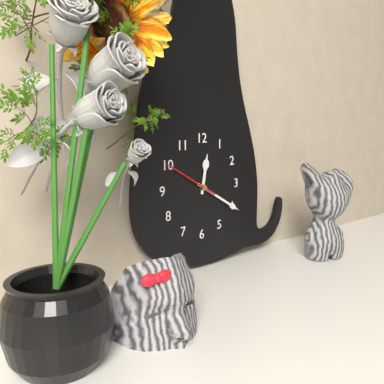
{"hour": 12, "minute": 20, "second": 50}
